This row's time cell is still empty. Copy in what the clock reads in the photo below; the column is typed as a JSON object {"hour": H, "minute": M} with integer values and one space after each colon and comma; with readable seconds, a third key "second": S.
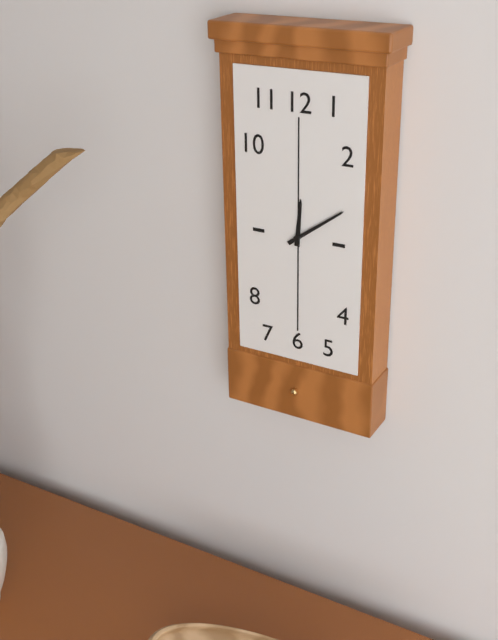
{"hour": 12, "minute": 9}
